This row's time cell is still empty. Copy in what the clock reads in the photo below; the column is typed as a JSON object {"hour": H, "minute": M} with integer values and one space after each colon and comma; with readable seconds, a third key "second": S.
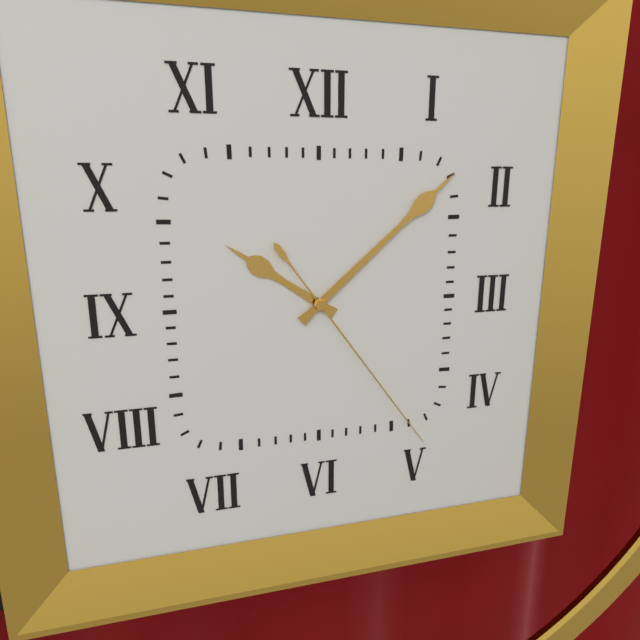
{"hour": 10, "minute": 8, "second": 24}
